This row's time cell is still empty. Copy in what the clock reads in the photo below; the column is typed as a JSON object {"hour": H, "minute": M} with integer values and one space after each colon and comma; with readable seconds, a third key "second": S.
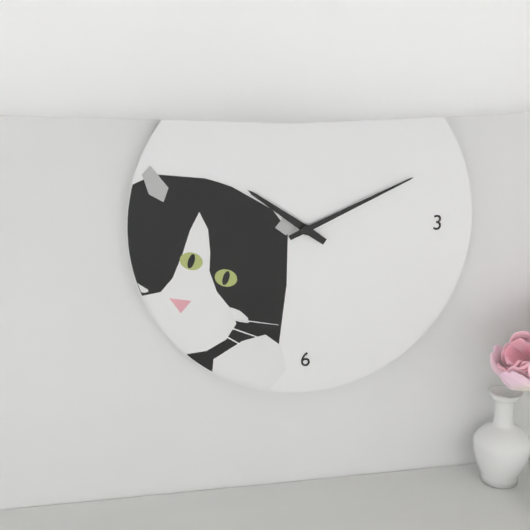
{"hour": 10, "minute": 11}
